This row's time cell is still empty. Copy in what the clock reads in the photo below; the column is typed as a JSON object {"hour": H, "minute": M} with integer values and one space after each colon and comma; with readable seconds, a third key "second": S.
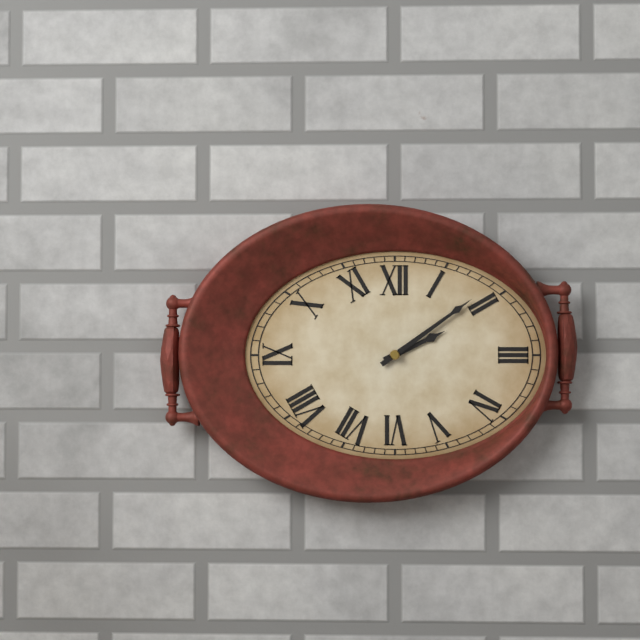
{"hour": 2, "minute": 9}
